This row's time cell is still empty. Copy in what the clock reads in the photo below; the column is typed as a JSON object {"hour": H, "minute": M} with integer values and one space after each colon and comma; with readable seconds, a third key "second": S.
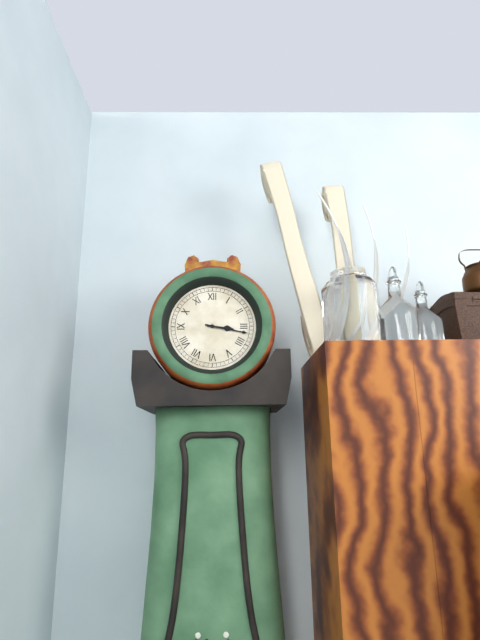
{"hour": 3, "minute": 17}
